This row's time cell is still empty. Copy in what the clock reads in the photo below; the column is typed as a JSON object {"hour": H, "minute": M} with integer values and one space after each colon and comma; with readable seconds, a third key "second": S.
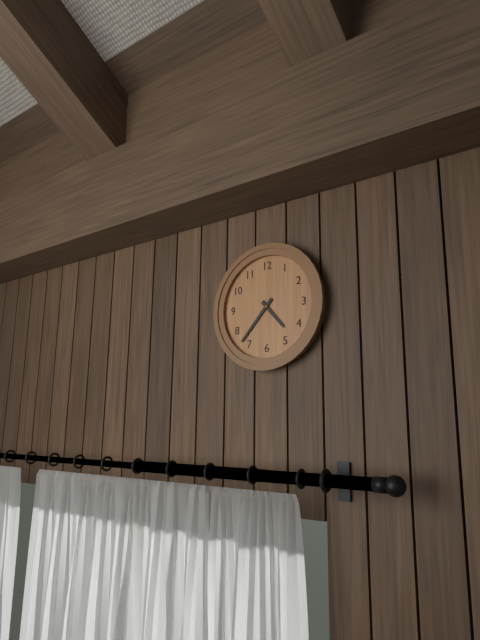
{"hour": 4, "minute": 37}
